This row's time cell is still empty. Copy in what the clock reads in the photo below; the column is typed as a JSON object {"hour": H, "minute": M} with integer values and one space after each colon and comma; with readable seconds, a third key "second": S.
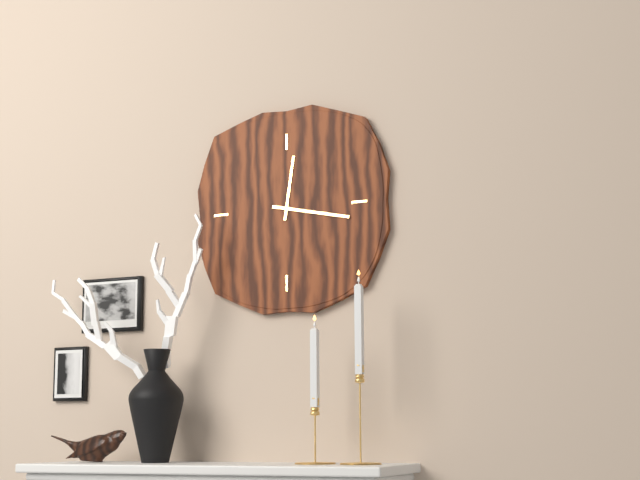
{"hour": 12, "minute": 17}
